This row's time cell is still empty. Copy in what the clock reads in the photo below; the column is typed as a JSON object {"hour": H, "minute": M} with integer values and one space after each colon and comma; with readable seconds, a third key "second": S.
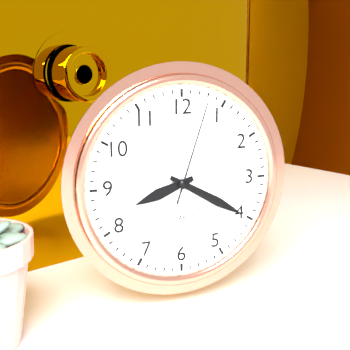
{"hour": 8, "minute": 20, "second": 3}
